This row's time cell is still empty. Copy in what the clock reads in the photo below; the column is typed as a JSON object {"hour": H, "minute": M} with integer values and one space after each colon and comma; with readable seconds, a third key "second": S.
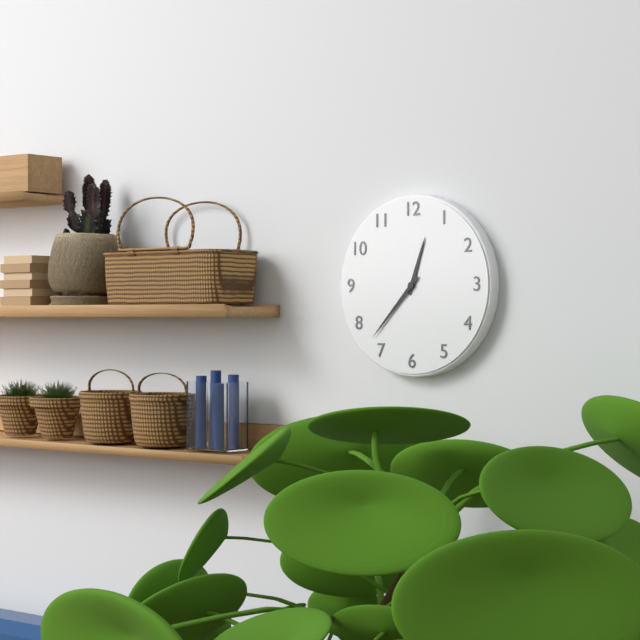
{"hour": 12, "minute": 37}
